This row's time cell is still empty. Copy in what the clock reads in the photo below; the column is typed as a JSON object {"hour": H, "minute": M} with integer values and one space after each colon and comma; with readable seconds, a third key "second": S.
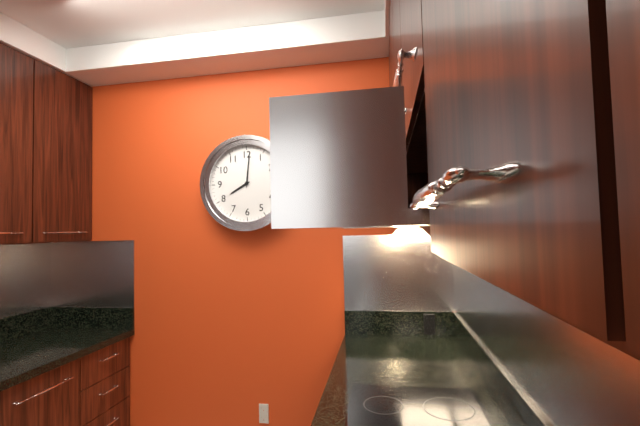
{"hour": 8, "minute": 1}
